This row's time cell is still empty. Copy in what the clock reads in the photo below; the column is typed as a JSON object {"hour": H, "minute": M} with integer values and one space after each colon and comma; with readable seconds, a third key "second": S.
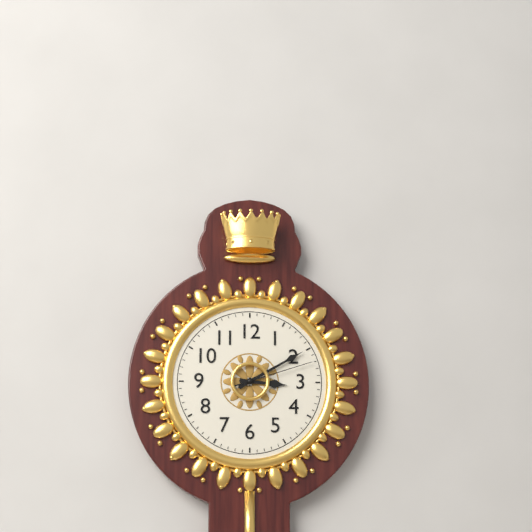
{"hour": 3, "minute": 10, "second": 12}
